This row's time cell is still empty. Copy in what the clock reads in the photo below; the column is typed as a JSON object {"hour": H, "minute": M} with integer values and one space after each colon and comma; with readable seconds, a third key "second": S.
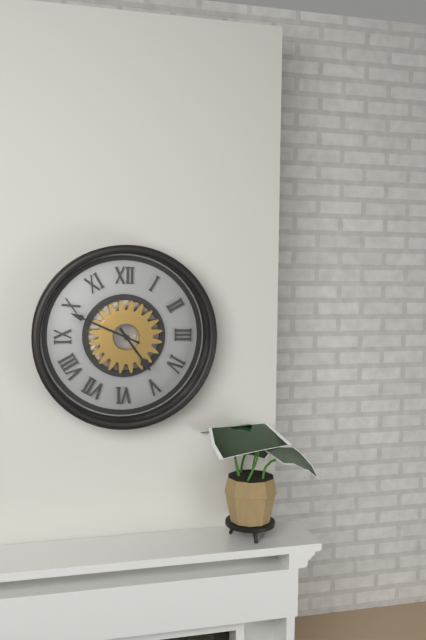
{"hour": 4, "minute": 49}
